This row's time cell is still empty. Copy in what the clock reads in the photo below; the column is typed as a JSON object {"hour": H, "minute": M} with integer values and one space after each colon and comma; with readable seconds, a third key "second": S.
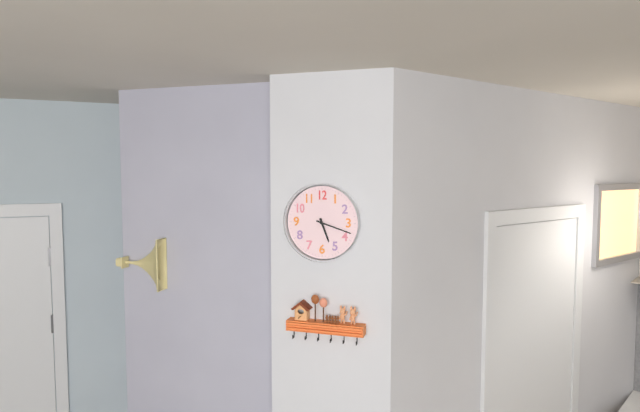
{"hour": 5, "minute": 18}
